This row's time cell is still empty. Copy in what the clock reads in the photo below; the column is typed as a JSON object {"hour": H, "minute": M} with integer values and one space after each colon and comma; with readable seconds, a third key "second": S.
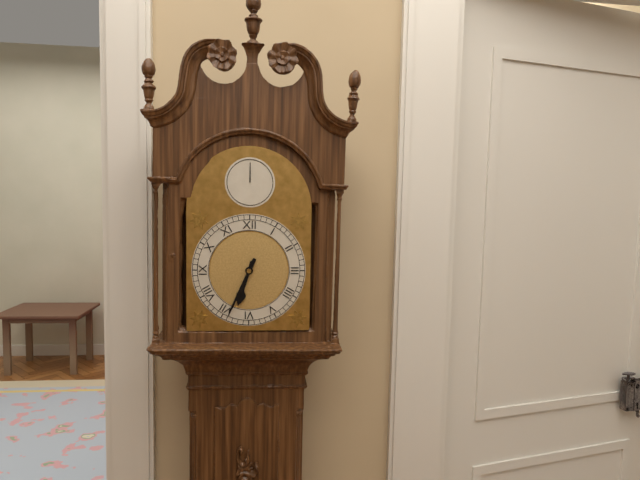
{"hour": 6, "minute": 34}
